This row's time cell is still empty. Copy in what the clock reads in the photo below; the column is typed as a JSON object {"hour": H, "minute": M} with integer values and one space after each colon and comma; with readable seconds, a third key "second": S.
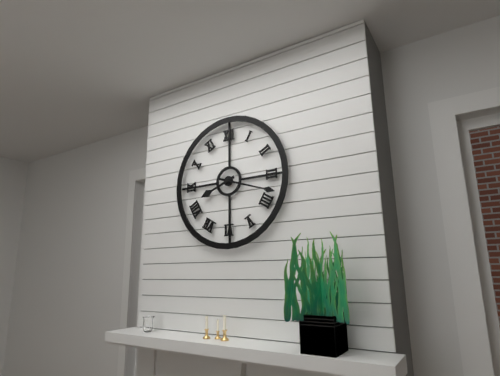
{"hour": 8, "minute": 18}
